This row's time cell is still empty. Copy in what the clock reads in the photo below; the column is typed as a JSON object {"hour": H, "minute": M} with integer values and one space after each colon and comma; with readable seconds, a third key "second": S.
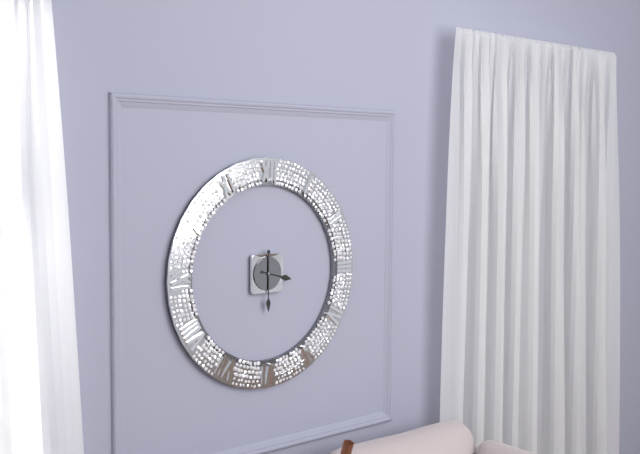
{"hour": 3, "minute": 30}
